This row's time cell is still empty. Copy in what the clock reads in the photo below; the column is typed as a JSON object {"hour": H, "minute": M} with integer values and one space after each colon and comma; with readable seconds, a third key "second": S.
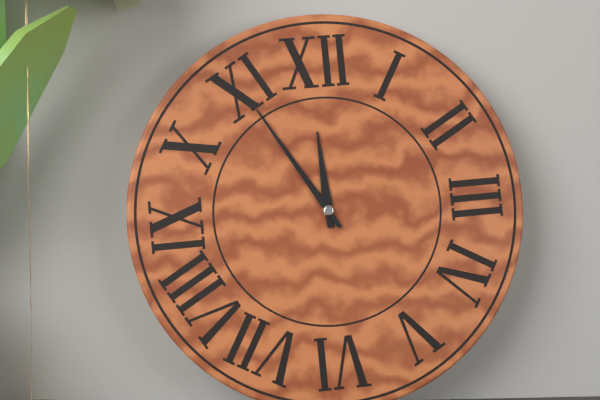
{"hour": 11, "minute": 55}
